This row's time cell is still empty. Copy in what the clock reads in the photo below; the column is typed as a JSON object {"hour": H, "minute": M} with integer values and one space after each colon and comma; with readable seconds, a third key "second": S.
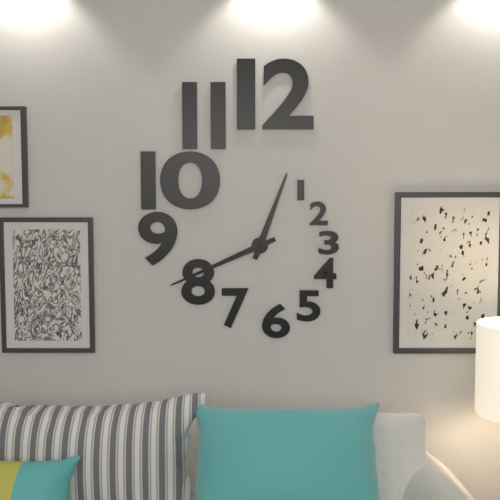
{"hour": 12, "minute": 41}
